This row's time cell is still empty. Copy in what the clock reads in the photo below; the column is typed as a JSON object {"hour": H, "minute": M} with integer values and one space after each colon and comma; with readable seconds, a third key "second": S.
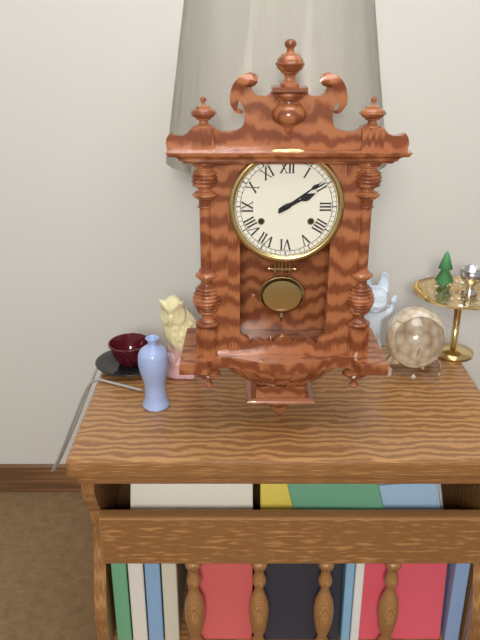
{"hour": 2, "minute": 9}
